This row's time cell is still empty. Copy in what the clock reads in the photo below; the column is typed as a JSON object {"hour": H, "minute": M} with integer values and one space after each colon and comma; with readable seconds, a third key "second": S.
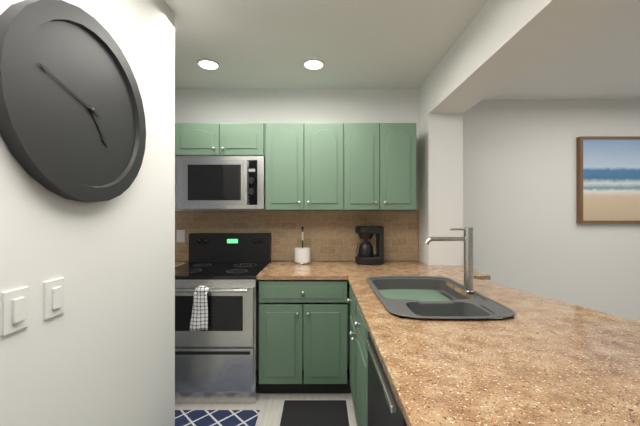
{"hour": 4, "minute": 48}
